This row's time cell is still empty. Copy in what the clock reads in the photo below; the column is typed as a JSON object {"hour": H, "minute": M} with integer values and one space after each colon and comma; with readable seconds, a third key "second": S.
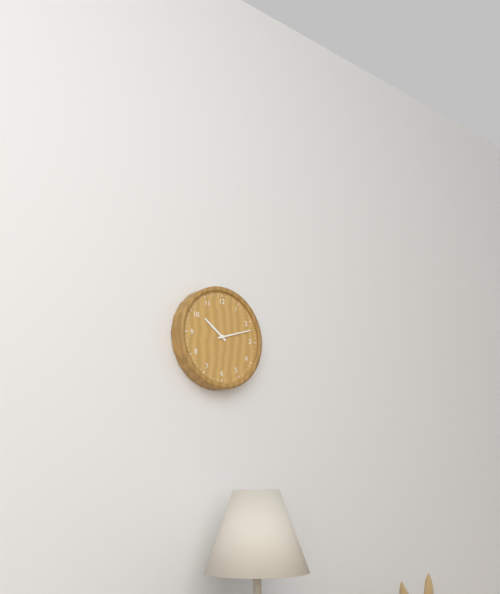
{"hour": 10, "minute": 12}
